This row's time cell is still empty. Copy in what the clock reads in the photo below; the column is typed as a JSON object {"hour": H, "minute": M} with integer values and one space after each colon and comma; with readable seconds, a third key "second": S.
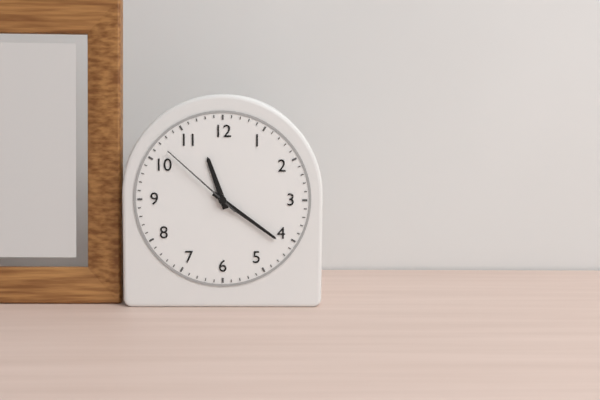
{"hour": 11, "minute": 21, "second": 52}
